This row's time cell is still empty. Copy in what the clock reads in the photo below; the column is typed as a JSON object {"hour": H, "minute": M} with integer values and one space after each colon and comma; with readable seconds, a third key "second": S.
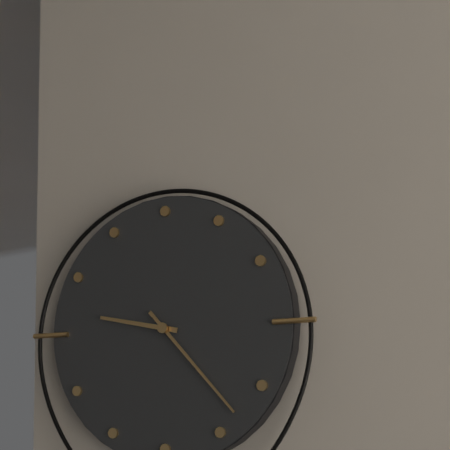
{"hour": 9, "minute": 23}
